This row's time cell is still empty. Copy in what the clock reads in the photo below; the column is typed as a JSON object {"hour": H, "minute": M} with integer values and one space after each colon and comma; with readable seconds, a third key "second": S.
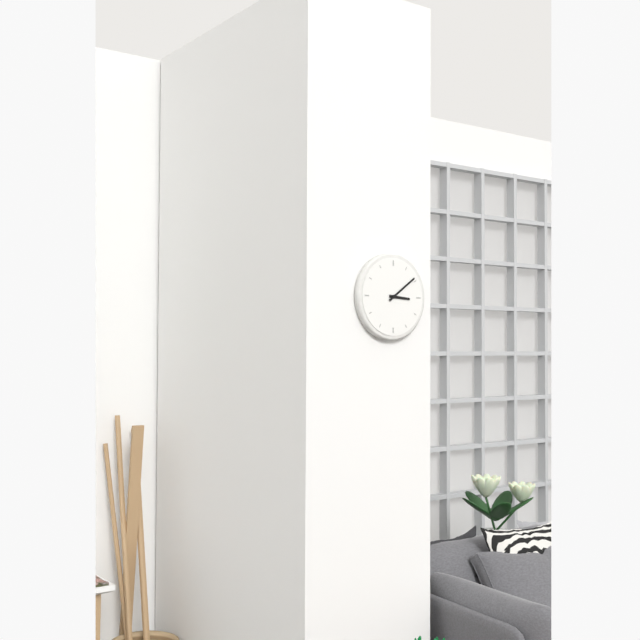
{"hour": 3, "minute": 9}
